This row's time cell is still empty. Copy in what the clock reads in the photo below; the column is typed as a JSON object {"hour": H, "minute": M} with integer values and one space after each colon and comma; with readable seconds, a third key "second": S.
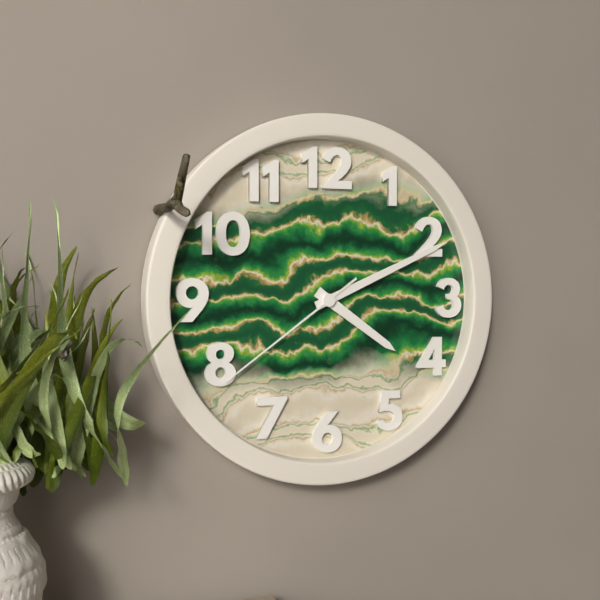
{"hour": 4, "minute": 11, "second": 39}
